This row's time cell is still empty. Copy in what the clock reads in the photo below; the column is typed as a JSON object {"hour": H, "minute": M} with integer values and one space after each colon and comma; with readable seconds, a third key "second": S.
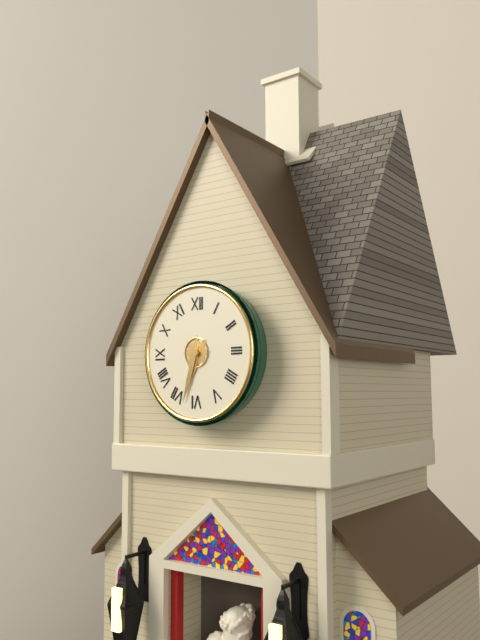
{"hour": 6, "minute": 33}
